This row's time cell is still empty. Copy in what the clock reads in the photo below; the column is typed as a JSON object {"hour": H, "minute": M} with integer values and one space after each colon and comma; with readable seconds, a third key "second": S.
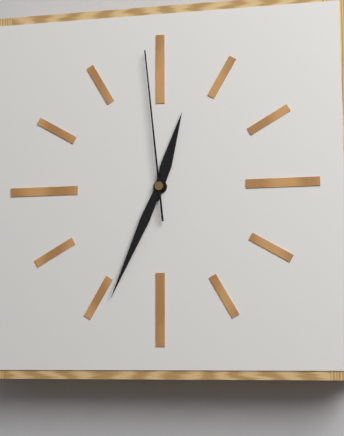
{"hour": 12, "minute": 34, "second": 59}
